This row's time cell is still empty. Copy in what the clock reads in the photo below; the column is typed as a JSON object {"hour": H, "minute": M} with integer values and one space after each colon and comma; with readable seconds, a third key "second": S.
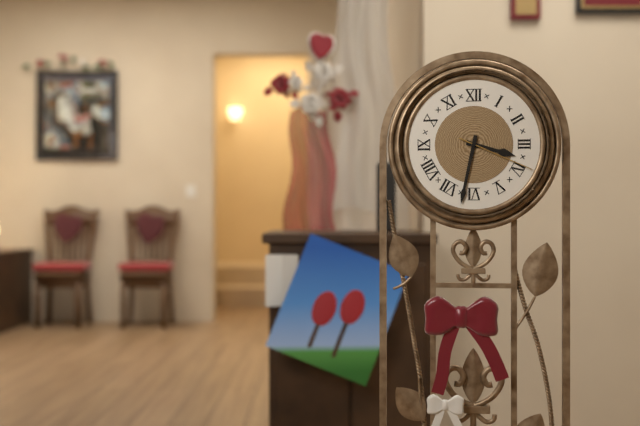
{"hour": 3, "minute": 32, "second": 19}
